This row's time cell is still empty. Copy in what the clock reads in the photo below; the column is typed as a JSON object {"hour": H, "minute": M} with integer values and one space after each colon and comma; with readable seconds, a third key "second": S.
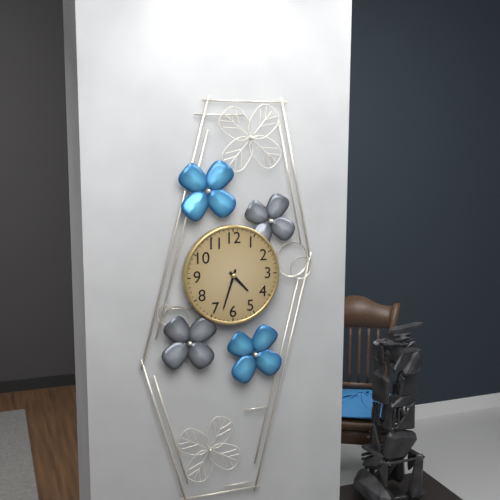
{"hour": 4, "minute": 33}
